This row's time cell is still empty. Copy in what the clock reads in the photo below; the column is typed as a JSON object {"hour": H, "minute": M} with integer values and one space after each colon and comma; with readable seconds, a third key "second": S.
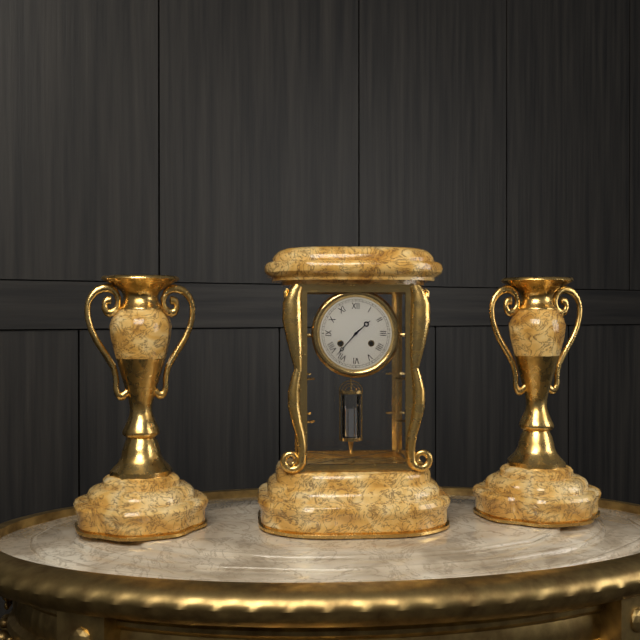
{"hour": 1, "minute": 37}
